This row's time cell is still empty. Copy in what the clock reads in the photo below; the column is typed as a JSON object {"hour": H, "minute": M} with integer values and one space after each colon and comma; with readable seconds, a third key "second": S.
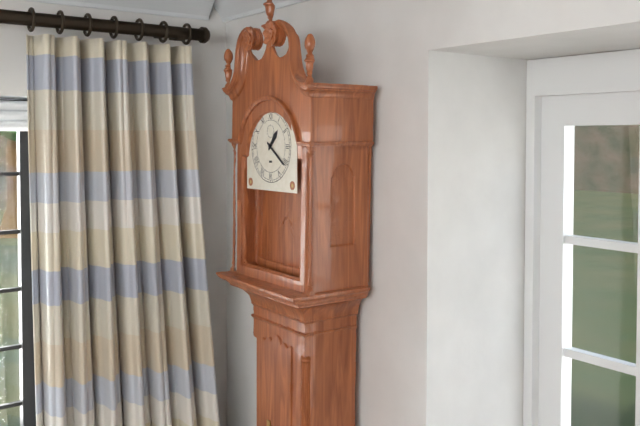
{"hour": 1, "minute": 21}
